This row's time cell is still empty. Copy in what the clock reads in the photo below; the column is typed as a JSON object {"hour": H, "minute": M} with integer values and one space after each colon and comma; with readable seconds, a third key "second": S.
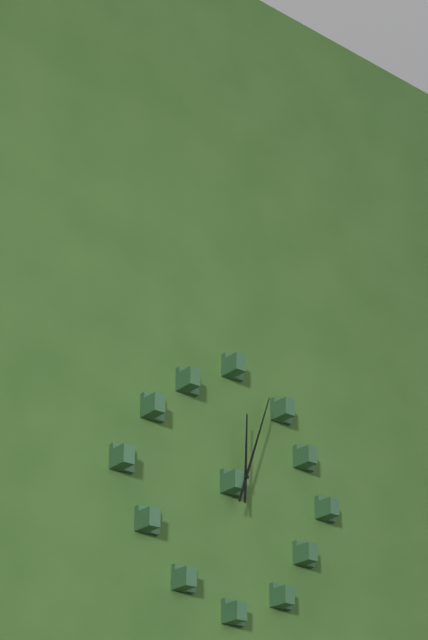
{"hour": 12, "minute": 3}
